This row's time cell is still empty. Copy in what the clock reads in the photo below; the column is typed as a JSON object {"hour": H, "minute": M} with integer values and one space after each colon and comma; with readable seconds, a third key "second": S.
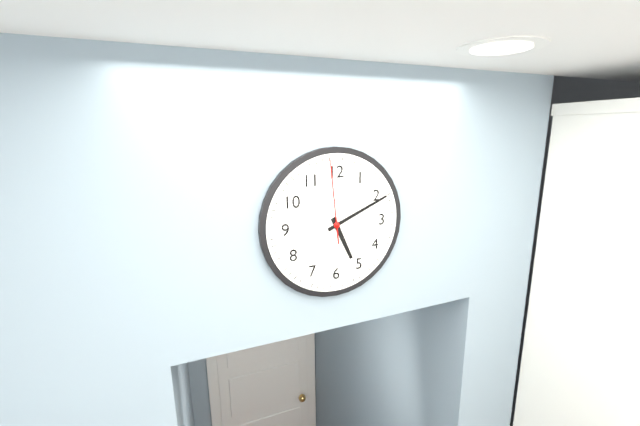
{"hour": 5, "minute": 11, "second": 59}
